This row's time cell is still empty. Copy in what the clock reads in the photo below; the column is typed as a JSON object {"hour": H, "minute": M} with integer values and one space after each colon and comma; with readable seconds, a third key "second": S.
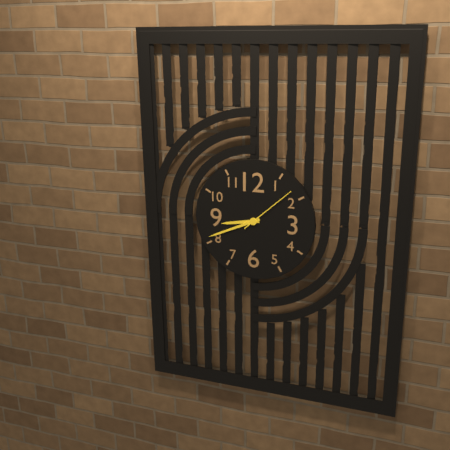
{"hour": 8, "minute": 41, "second": 8}
